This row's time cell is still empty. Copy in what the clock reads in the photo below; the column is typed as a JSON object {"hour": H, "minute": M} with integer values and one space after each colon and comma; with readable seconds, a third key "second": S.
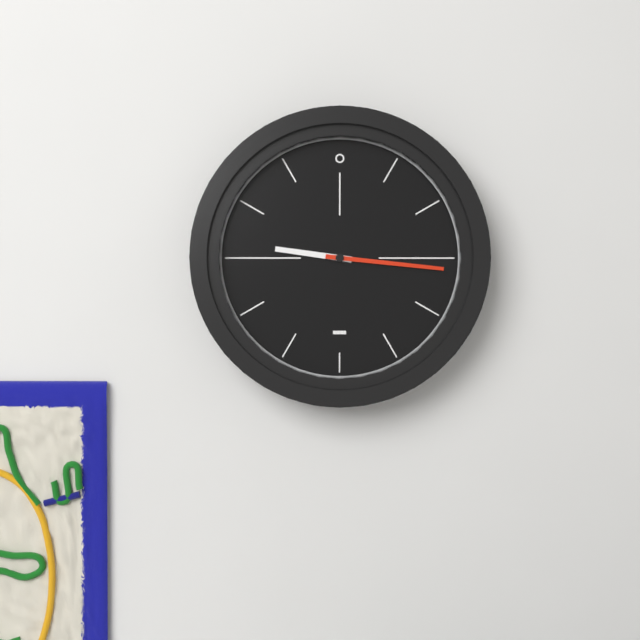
{"hour": 9, "minute": 16}
